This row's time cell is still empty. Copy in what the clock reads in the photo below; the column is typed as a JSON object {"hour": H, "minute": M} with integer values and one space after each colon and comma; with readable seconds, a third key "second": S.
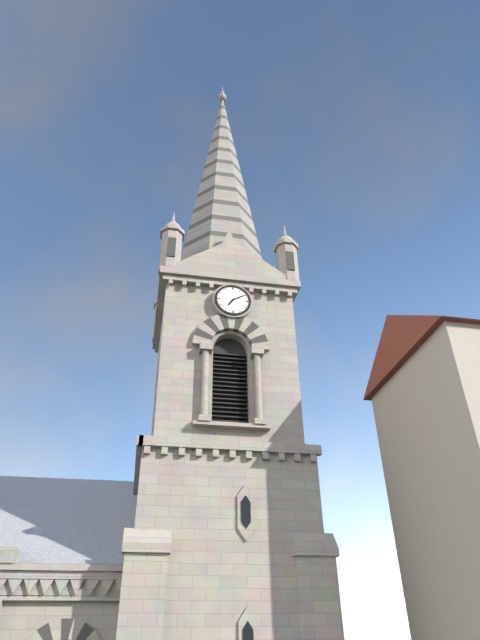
{"hour": 7, "minute": 10}
